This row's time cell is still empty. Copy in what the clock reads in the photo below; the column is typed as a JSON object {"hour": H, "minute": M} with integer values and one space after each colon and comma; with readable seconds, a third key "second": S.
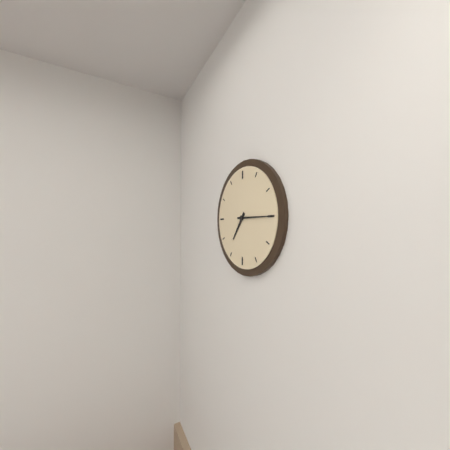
{"hour": 7, "minute": 15}
